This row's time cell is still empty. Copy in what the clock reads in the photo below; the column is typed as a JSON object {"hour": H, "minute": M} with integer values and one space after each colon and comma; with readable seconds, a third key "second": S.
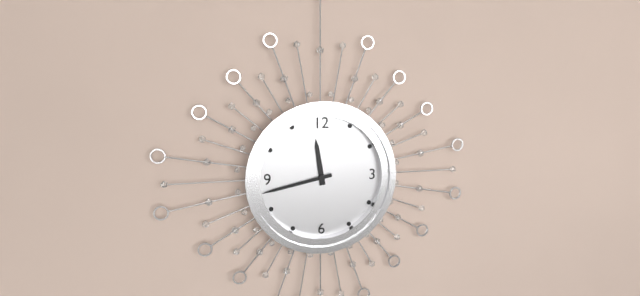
{"hour": 11, "minute": 43}
